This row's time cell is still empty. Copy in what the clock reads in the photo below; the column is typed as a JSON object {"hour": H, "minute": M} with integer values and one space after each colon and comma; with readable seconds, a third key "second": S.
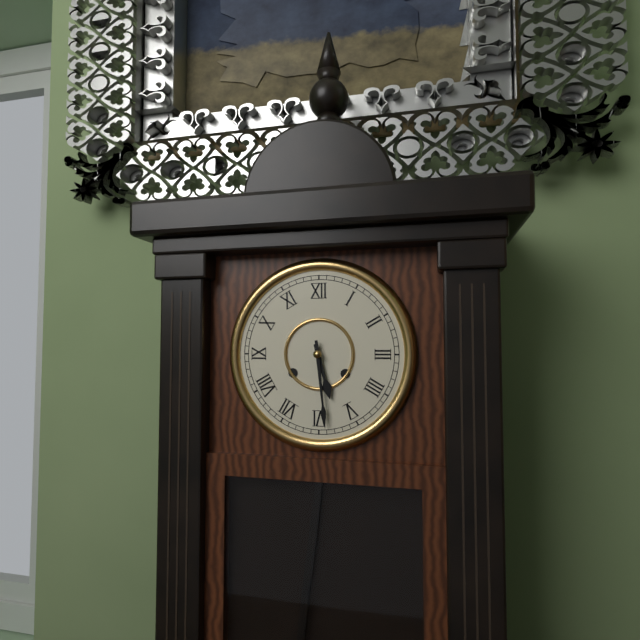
{"hour": 5, "minute": 29}
